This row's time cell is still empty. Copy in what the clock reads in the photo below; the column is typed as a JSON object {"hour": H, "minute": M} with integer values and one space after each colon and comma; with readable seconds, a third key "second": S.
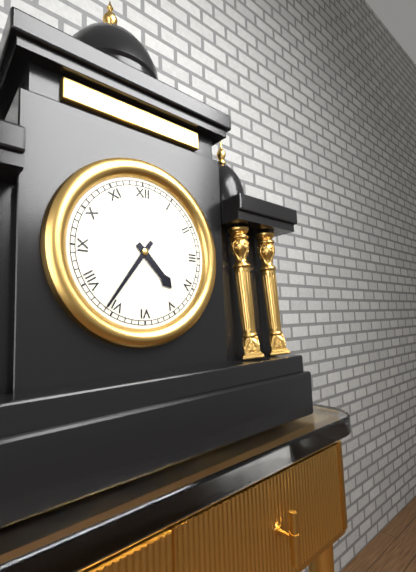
{"hour": 4, "minute": 36}
